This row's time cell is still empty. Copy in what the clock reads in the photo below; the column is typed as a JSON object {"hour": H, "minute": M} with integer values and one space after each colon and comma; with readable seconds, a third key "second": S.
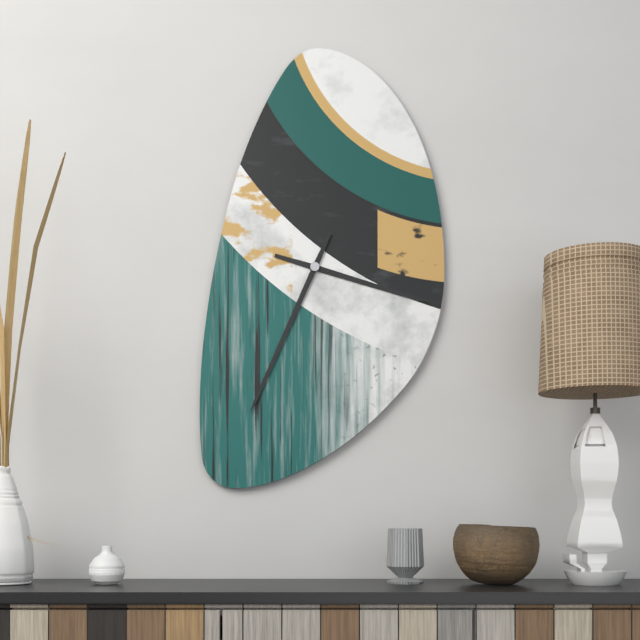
{"hour": 3, "minute": 34}
